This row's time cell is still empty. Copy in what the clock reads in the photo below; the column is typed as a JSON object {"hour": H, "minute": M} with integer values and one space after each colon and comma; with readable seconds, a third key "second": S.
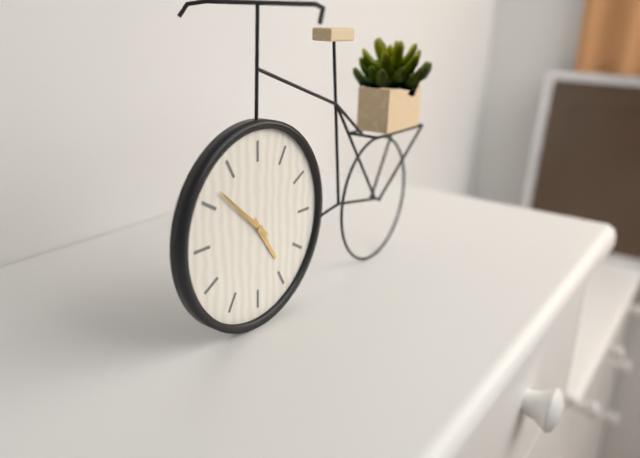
{"hour": 4, "minute": 52}
